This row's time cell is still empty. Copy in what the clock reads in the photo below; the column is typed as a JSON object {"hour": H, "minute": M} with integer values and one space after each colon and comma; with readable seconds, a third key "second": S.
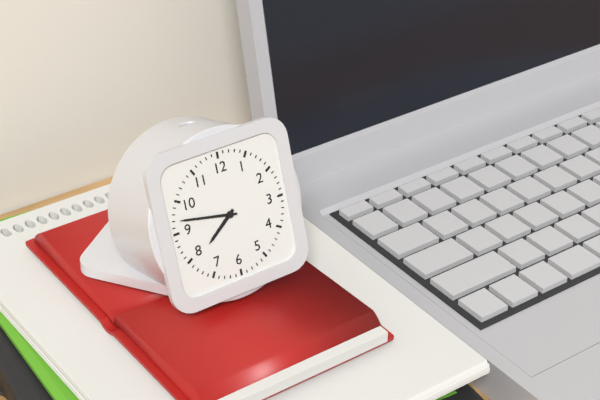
{"hour": 7, "minute": 47}
